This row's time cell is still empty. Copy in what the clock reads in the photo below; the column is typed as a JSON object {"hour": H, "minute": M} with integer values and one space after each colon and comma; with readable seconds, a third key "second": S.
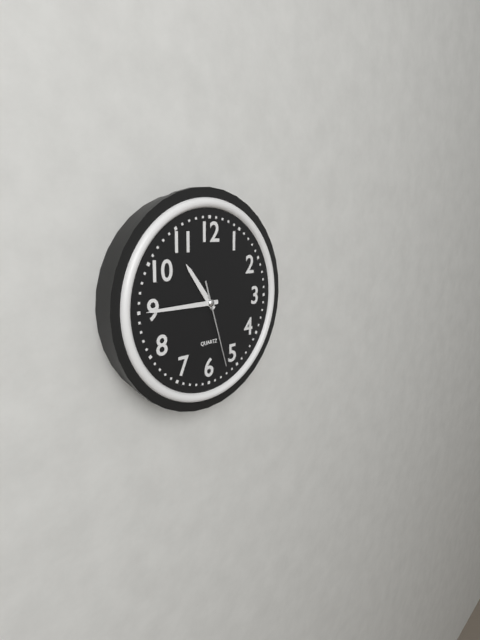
{"hour": 10, "minute": 45, "second": 27}
